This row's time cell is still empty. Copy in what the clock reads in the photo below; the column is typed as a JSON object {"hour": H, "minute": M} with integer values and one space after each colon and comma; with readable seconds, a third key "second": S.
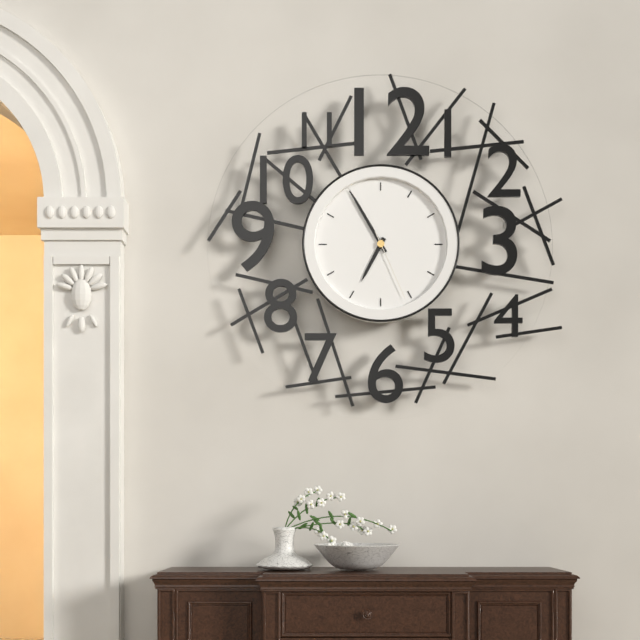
{"hour": 6, "minute": 55, "second": 26}
